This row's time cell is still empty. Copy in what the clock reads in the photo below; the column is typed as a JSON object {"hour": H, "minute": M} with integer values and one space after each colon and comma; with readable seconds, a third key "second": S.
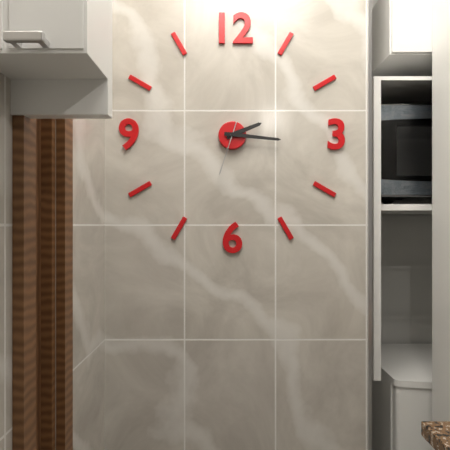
{"hour": 2, "minute": 16, "second": 33}
